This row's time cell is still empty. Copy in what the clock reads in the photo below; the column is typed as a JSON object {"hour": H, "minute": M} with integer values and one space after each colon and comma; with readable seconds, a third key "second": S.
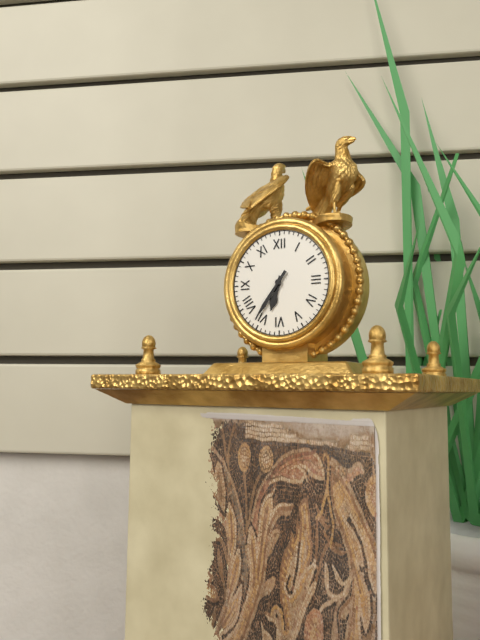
{"hour": 6, "minute": 36}
